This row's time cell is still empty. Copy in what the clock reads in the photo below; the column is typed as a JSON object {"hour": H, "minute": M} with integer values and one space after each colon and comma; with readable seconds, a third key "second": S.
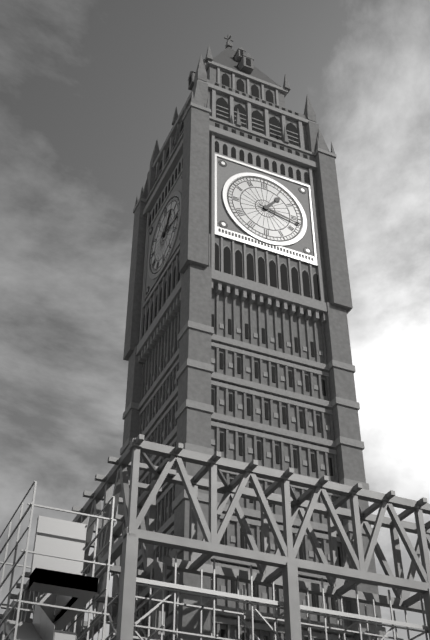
{"hour": 1, "minute": 17}
